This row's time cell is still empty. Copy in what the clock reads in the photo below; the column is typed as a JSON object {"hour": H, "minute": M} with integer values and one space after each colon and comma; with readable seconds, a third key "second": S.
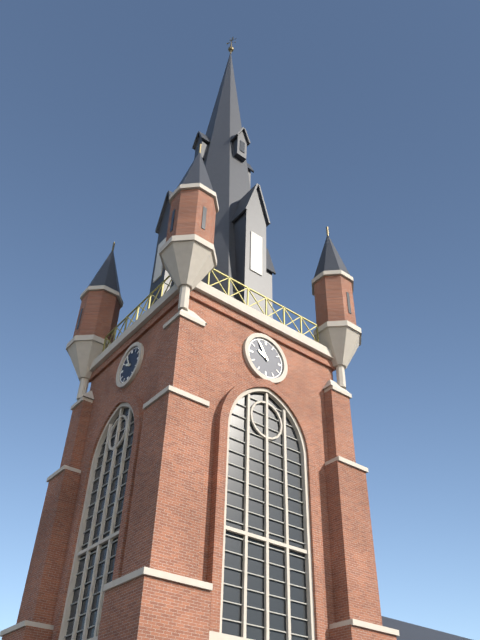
{"hour": 9, "minute": 55}
